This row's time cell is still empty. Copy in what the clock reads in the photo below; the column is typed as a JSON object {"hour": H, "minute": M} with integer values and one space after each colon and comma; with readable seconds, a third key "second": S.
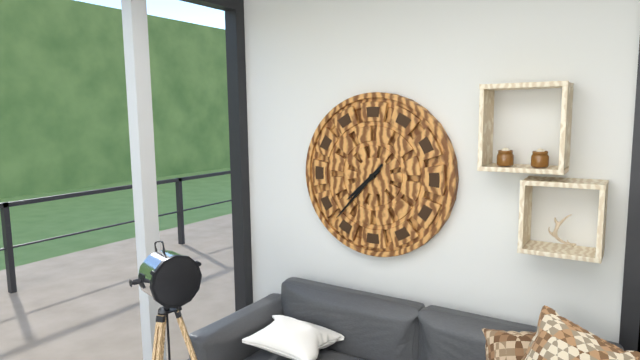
{"hour": 7, "minute": 37}
